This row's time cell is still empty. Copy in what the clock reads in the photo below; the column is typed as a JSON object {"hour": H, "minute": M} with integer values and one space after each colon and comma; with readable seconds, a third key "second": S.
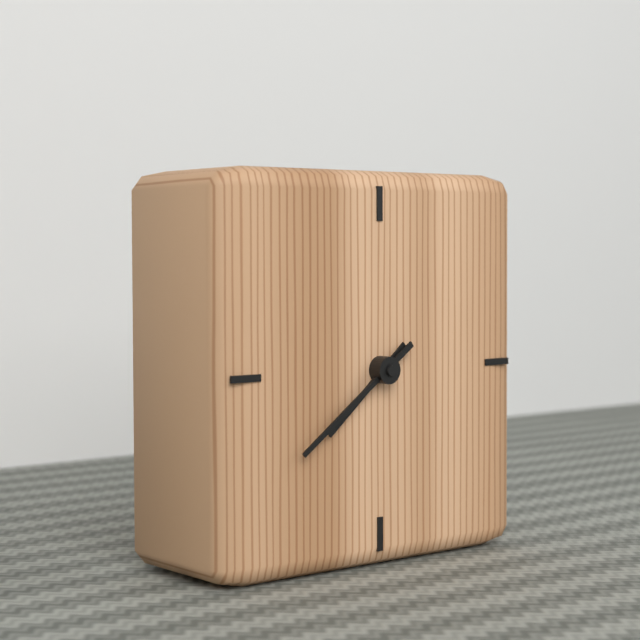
{"hour": 7, "minute": 39}
